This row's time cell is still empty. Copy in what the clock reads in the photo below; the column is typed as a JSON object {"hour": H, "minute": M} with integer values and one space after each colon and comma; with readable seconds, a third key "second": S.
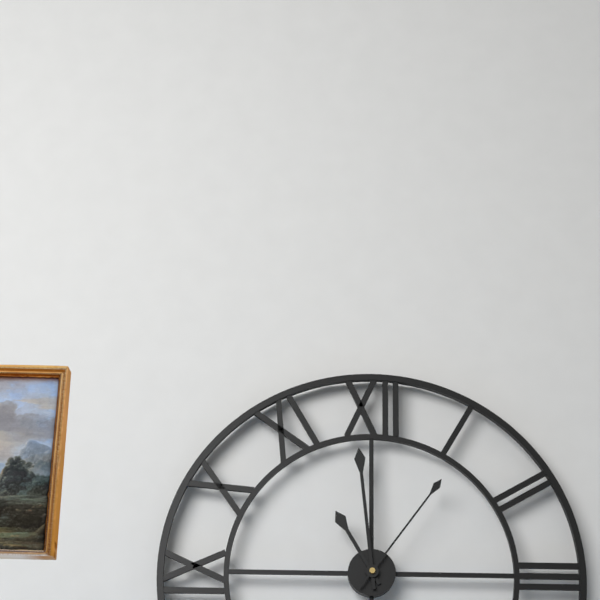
{"hour": 10, "minute": 59, "second": 6}
